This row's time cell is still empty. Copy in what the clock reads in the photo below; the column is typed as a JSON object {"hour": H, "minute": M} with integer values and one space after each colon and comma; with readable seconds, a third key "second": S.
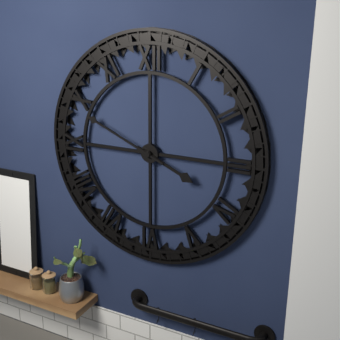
{"hour": 3, "minute": 49}
